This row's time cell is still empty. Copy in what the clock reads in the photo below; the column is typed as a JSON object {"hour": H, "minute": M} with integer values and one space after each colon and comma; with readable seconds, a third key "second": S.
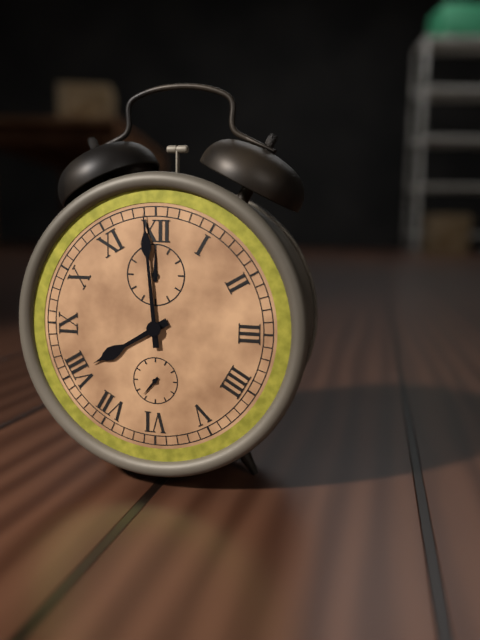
{"hour": 7, "minute": 59}
